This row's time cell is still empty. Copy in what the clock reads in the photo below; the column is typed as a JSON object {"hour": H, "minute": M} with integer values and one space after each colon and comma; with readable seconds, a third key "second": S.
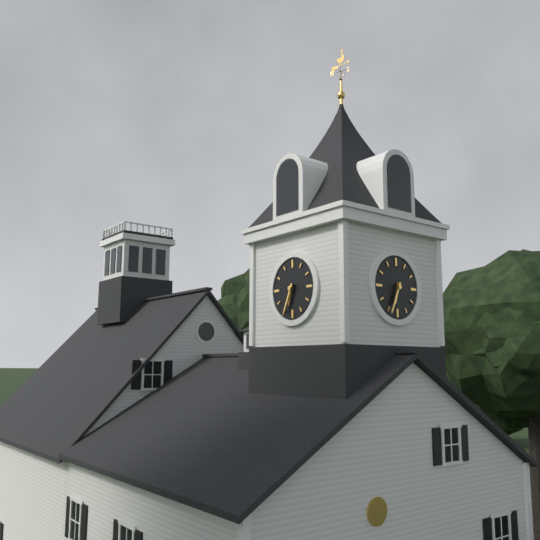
{"hour": 6, "minute": 34}
